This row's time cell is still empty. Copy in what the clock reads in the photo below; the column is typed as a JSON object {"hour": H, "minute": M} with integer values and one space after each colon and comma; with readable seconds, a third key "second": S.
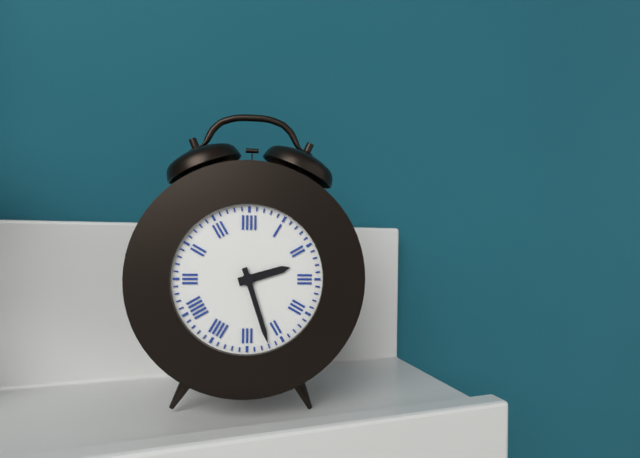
{"hour": 2, "minute": 27}
